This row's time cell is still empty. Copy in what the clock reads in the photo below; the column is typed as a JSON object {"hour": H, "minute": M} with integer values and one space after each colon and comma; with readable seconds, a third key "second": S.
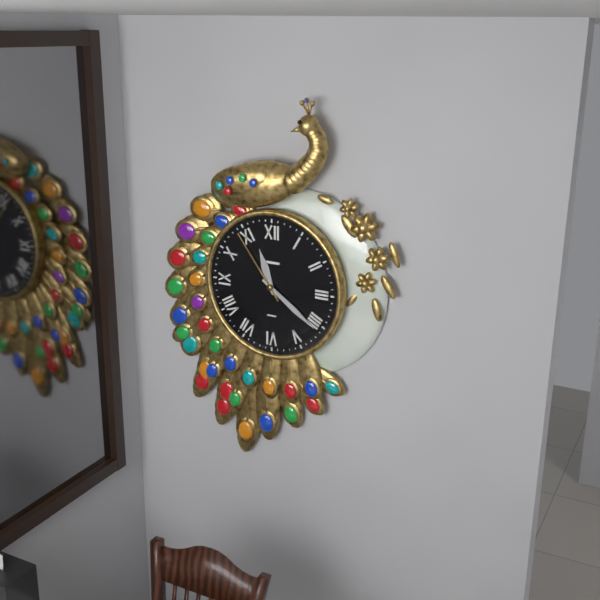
{"hour": 11, "minute": 21, "second": 54}
